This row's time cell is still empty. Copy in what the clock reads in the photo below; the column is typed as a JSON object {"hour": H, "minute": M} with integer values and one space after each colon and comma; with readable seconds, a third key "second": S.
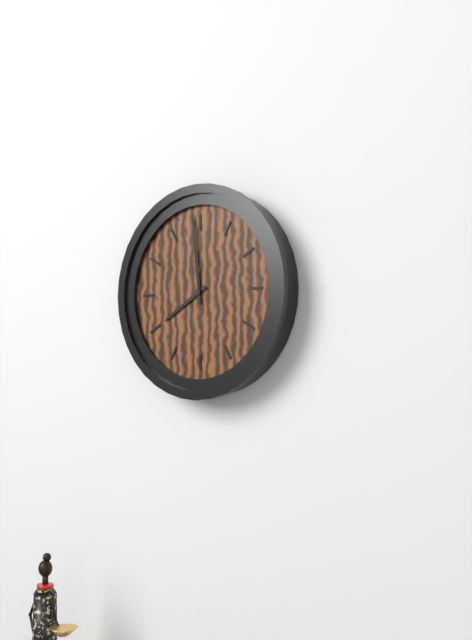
{"hour": 7, "minute": 59}
